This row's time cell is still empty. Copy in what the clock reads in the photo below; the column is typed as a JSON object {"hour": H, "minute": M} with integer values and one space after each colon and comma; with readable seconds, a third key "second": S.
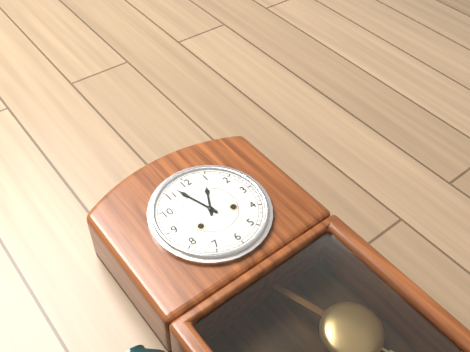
{"hour": 12, "minute": 57}
